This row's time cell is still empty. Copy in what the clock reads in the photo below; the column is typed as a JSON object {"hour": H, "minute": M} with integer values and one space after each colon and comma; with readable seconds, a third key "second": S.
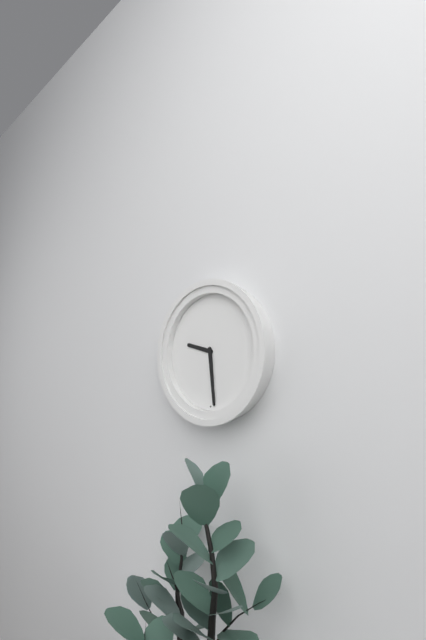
{"hour": 9, "minute": 29}
